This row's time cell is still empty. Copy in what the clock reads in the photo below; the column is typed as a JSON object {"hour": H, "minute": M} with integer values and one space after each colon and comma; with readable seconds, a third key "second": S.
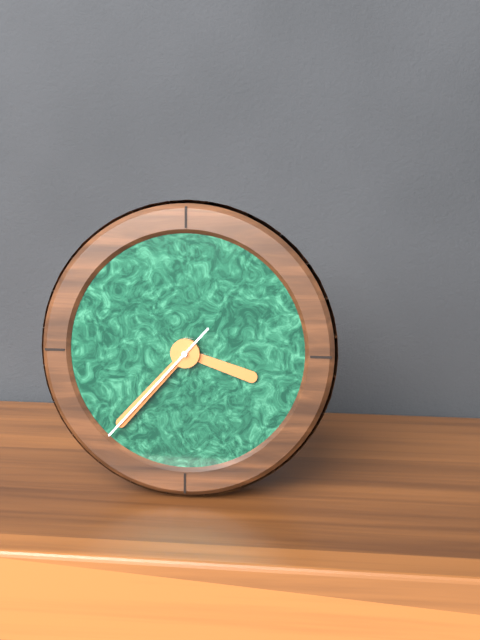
{"hour": 3, "minute": 37, "second": 37}
